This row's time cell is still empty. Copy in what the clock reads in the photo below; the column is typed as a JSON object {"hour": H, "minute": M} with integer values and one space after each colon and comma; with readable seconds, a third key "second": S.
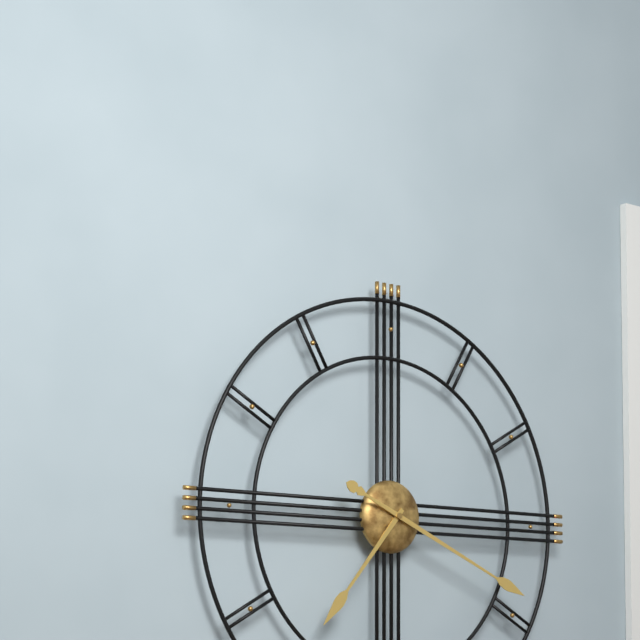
{"hour": 7, "minute": 19}
